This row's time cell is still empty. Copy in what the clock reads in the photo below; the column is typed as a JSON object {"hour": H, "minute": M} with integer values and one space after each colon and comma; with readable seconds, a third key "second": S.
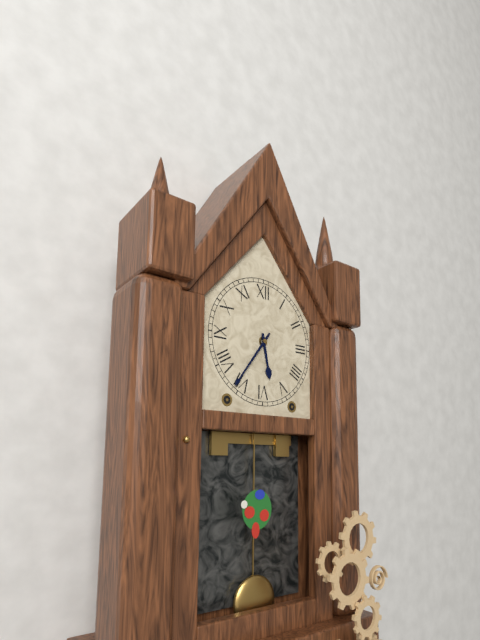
{"hour": 5, "minute": 36}
